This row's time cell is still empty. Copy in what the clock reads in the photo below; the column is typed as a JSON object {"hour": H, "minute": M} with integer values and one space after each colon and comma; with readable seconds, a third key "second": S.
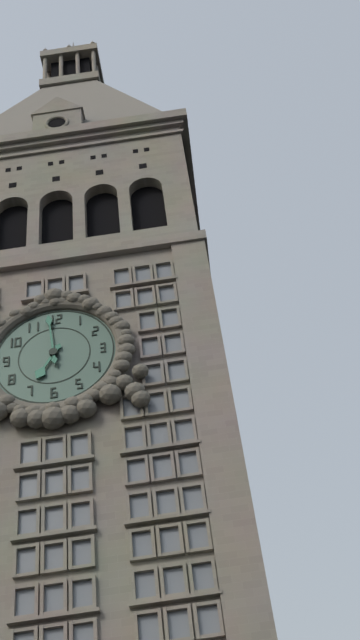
{"hour": 6, "minute": 59}
